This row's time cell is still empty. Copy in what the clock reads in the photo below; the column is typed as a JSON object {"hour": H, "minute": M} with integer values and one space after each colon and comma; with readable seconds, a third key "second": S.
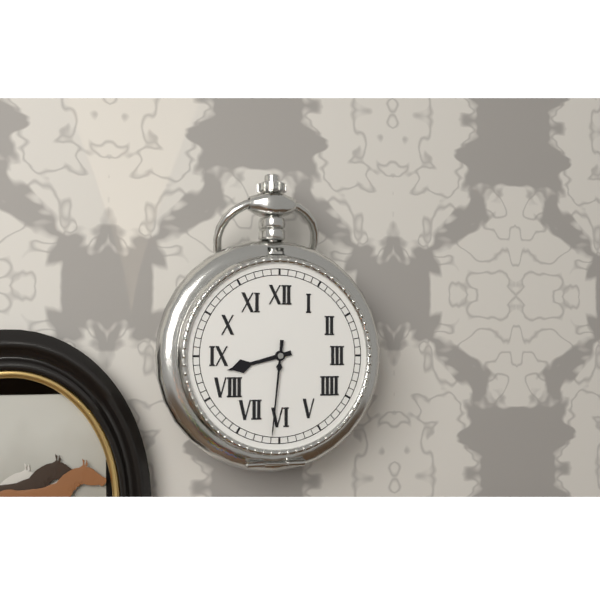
{"hour": 8, "minute": 31}
